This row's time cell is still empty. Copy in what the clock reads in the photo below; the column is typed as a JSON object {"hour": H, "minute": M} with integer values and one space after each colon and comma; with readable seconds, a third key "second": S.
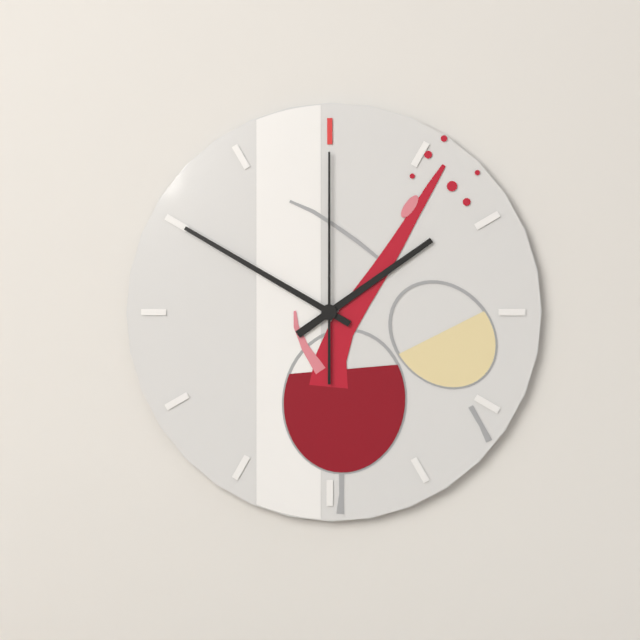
{"hour": 1, "minute": 50, "second": 0}
